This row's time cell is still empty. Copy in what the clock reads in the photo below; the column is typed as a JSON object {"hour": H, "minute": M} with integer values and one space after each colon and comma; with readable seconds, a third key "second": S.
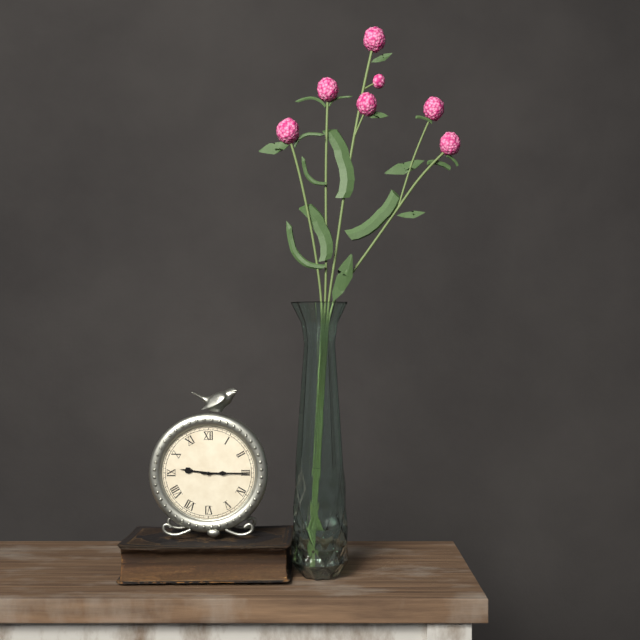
{"hour": 9, "minute": 15}
